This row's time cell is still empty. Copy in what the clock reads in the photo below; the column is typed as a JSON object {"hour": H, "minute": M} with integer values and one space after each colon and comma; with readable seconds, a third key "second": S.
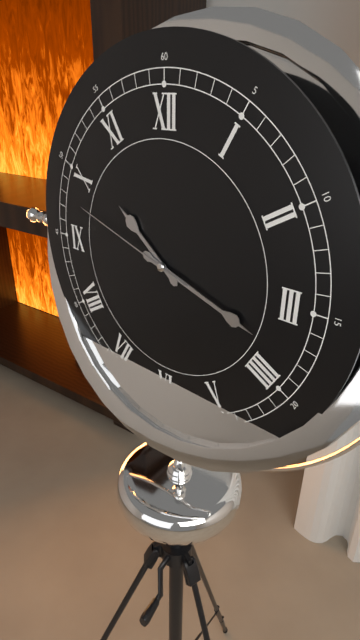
{"hour": 10, "minute": 18, "second": 48}
